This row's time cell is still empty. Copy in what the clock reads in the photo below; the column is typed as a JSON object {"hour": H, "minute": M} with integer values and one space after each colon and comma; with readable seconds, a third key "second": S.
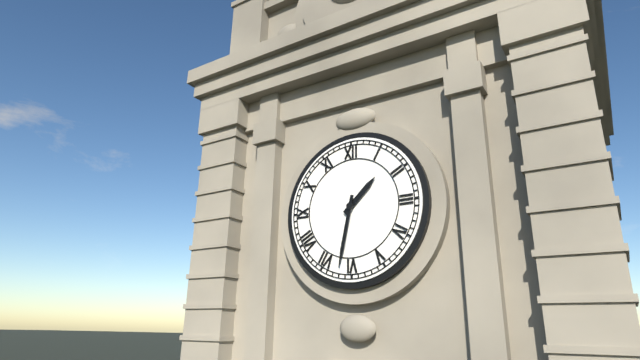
{"hour": 1, "minute": 32}
